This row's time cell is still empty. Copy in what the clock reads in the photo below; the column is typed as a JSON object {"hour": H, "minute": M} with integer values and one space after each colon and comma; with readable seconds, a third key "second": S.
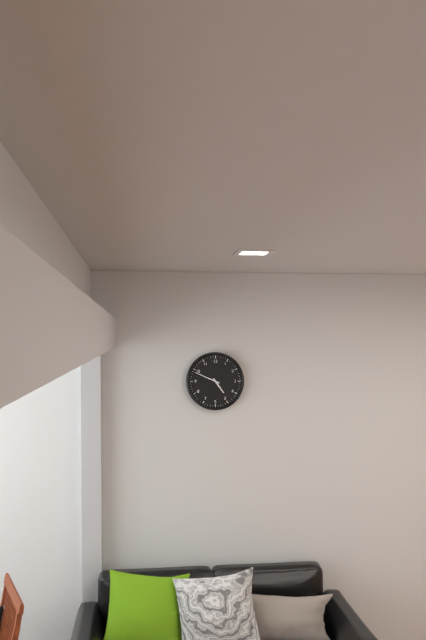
{"hour": 4, "minute": 49}
